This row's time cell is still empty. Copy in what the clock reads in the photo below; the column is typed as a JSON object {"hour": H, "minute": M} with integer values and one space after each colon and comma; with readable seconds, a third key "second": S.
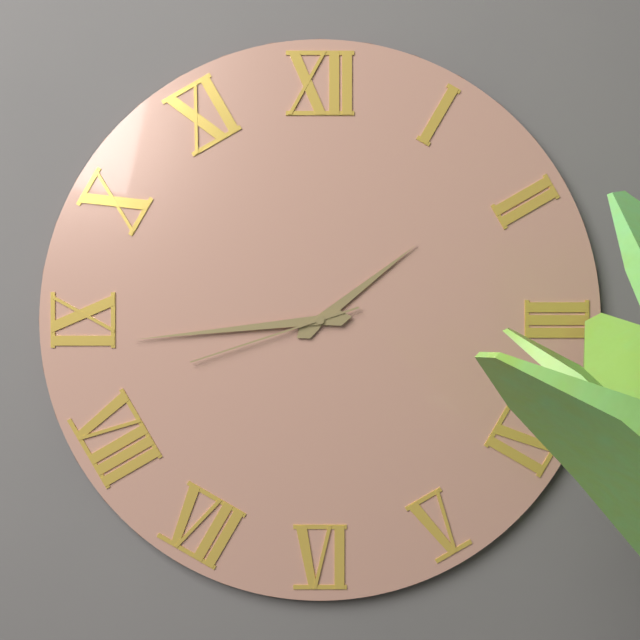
{"hour": 1, "minute": 44, "second": 42}
